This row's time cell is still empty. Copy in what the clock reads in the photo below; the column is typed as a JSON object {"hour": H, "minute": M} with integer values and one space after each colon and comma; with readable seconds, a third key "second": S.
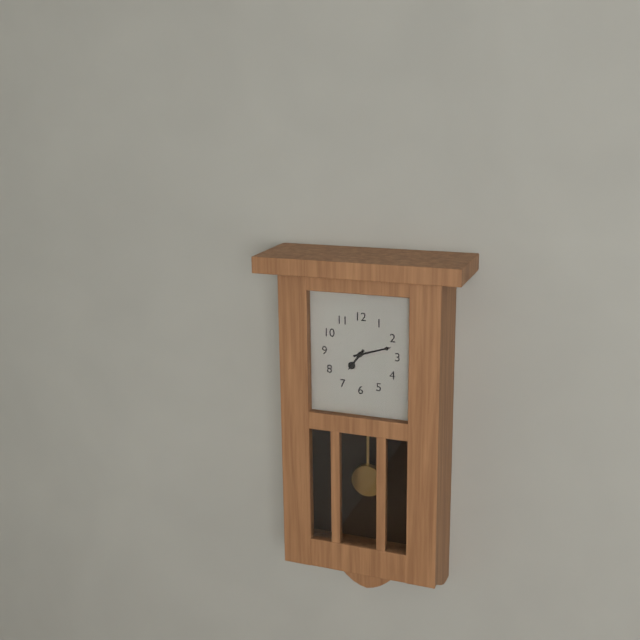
{"hour": 7, "minute": 12}
